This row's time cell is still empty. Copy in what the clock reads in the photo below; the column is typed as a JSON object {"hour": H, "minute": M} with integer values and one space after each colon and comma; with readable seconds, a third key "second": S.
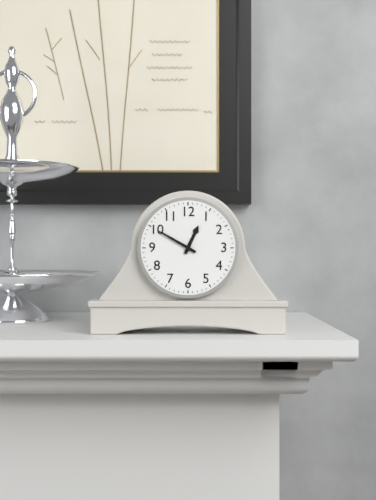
{"hour": 12, "minute": 50}
